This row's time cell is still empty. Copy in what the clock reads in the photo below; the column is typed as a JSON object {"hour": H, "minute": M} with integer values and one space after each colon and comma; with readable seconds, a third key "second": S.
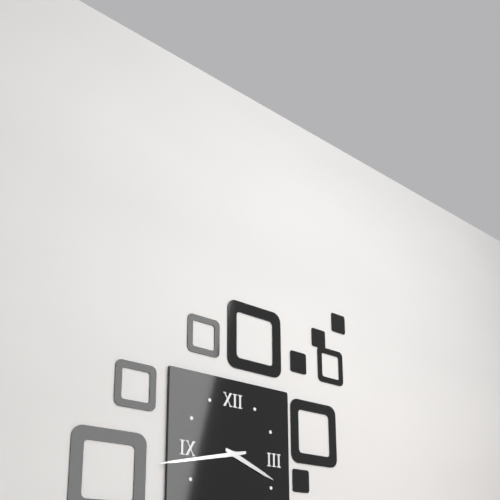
{"hour": 3, "minute": 43}
